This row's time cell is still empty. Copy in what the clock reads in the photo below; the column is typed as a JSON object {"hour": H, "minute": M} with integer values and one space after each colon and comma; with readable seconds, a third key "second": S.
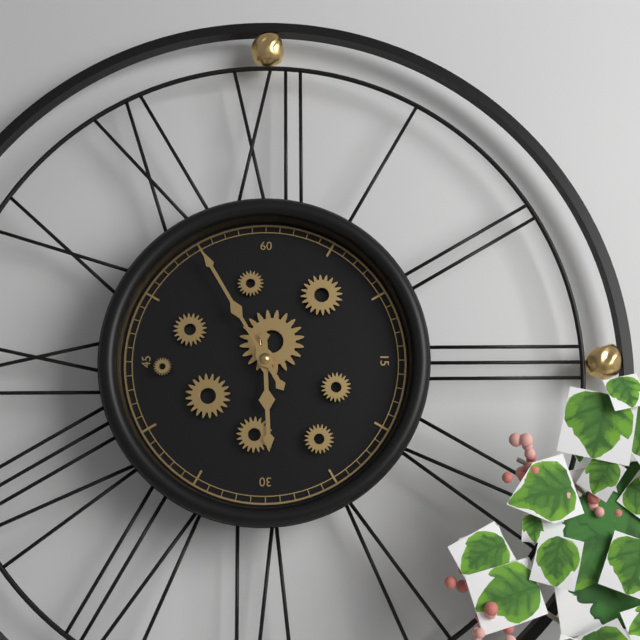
{"hour": 5, "minute": 55}
